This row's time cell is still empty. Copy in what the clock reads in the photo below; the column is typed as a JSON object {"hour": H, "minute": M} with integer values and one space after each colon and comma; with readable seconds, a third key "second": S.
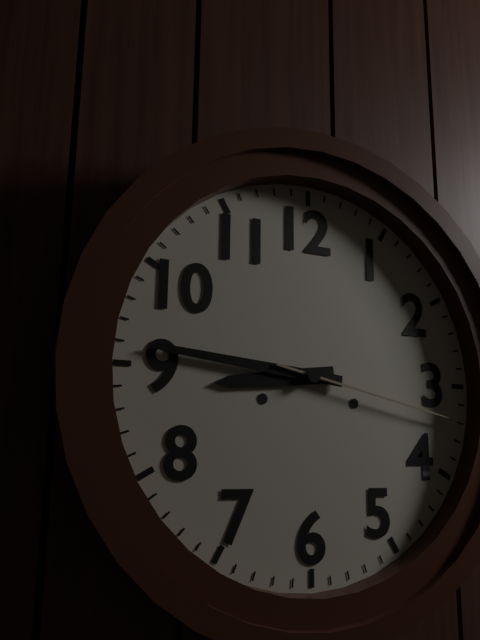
{"hour": 8, "minute": 46, "second": 17}
